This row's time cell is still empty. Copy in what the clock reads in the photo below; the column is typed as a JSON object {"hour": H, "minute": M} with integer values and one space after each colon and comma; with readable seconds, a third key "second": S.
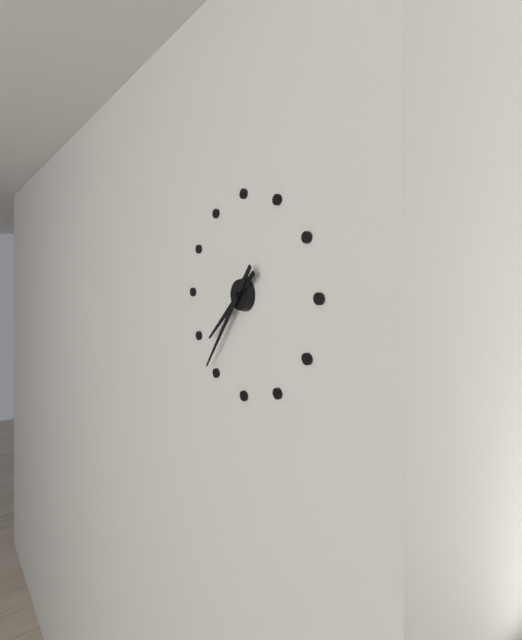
{"hour": 7, "minute": 36}
